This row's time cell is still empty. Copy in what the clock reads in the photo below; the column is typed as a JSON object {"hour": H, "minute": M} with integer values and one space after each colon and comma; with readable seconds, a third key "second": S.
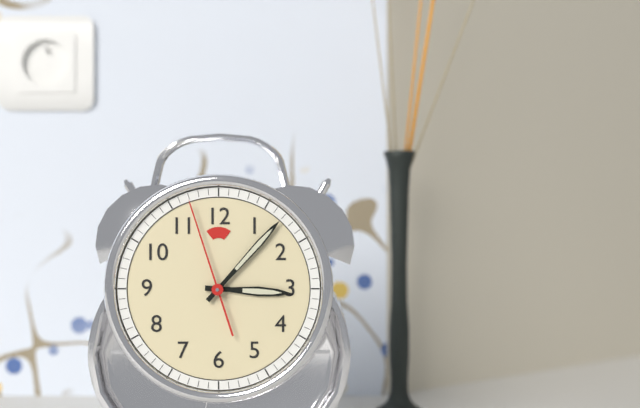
{"hour": 3, "minute": 7, "second": 57}
